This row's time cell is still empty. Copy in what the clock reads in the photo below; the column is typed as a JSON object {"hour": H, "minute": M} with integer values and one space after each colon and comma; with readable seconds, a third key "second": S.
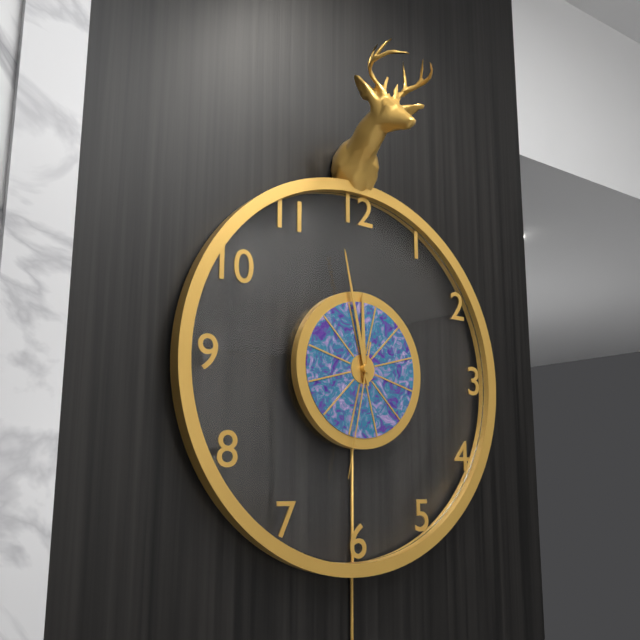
{"hour": 11, "minute": 58, "second": 32}
